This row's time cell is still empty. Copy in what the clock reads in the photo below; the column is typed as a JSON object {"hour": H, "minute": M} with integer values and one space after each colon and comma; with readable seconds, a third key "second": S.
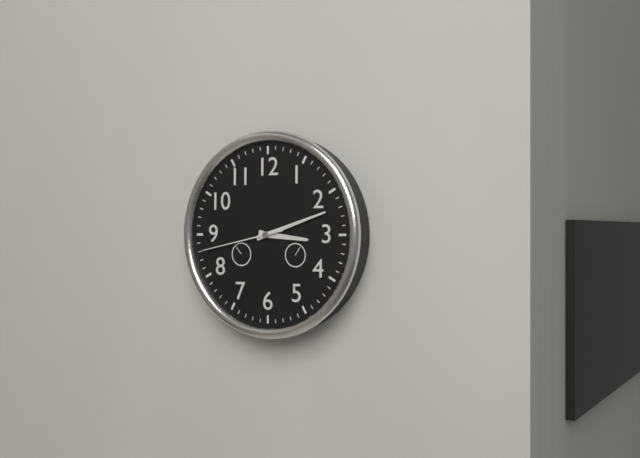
{"hour": 3, "minute": 12, "second": 43}
